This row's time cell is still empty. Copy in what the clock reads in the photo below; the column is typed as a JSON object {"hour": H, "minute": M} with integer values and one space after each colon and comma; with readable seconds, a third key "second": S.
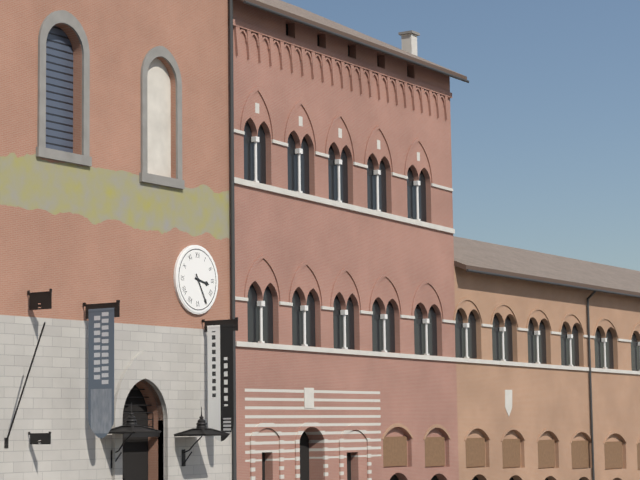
{"hour": 3, "minute": 25}
